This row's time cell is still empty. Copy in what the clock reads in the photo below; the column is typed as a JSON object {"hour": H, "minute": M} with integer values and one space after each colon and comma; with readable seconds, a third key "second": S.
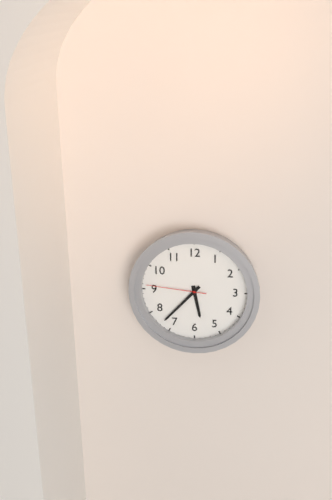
{"hour": 5, "minute": 37, "second": 46}
